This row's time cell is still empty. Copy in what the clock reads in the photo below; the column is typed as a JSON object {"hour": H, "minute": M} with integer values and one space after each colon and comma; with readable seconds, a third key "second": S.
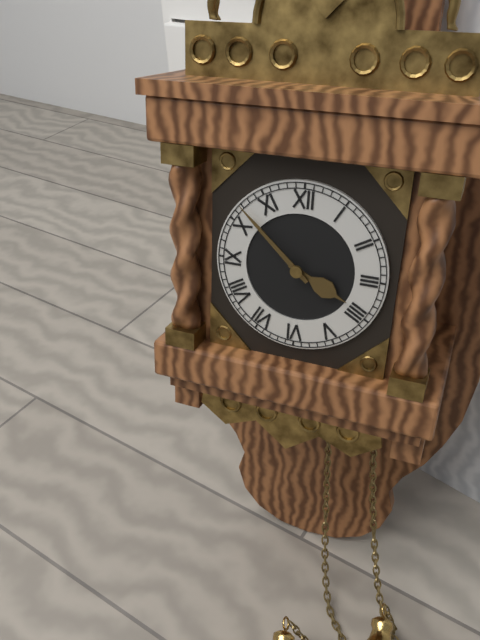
{"hour": 3, "minute": 52}
